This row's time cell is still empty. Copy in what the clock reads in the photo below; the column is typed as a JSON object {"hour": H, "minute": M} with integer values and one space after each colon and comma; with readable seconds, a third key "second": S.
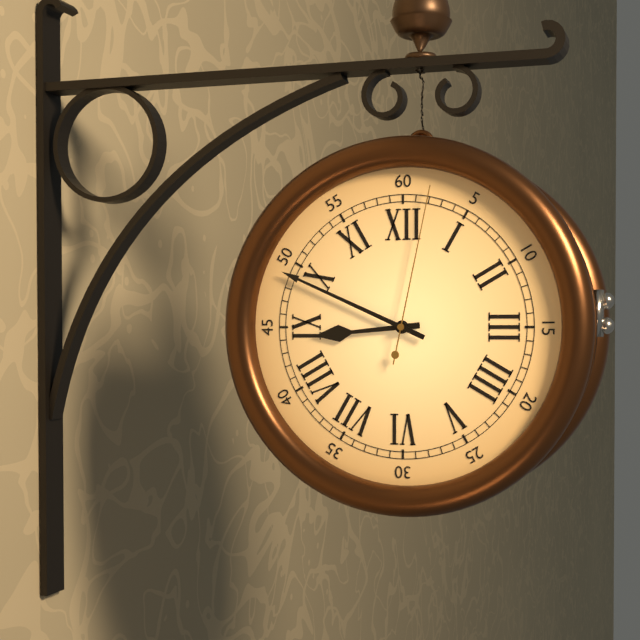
{"hour": 8, "minute": 49, "second": 2}
